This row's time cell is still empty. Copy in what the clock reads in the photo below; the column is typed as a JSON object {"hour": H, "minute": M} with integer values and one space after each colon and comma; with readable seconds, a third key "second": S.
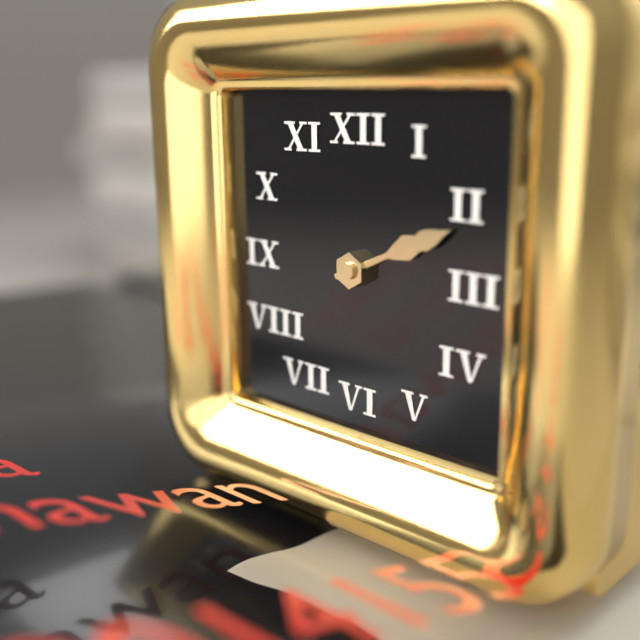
{"hour": 2, "minute": 11}
